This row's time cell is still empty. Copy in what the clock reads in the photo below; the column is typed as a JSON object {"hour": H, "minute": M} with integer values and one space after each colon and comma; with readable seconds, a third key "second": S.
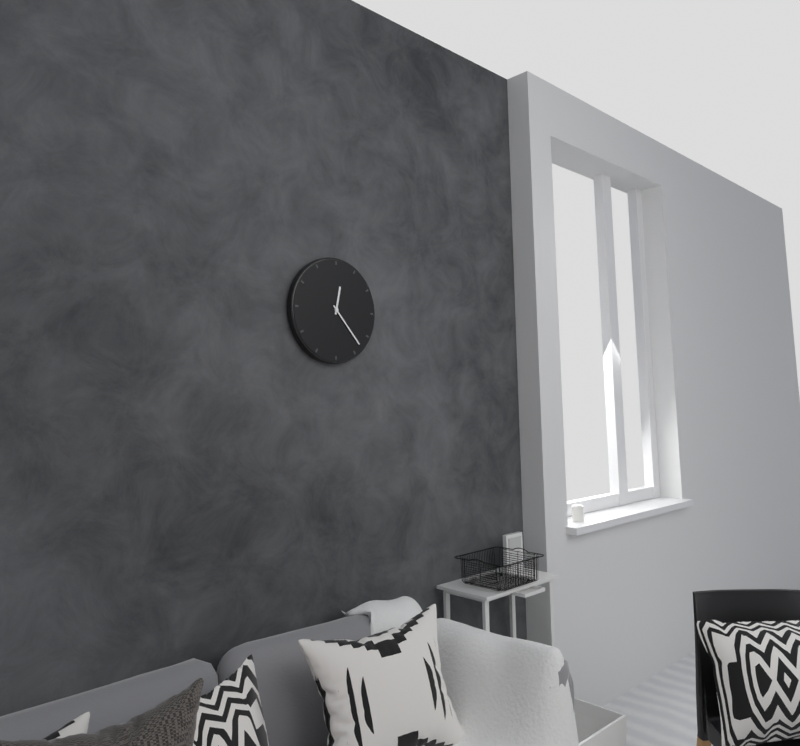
{"hour": 12, "minute": 23}
